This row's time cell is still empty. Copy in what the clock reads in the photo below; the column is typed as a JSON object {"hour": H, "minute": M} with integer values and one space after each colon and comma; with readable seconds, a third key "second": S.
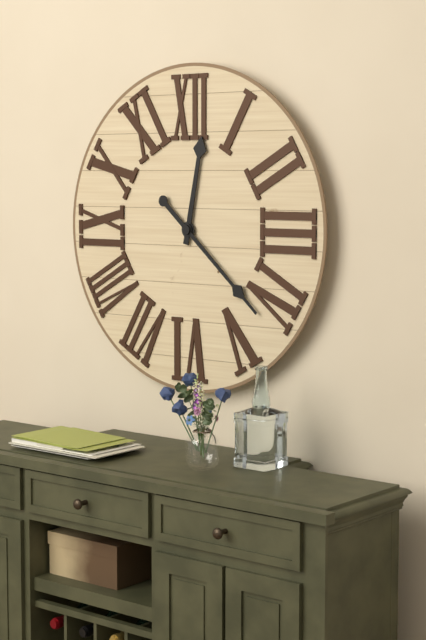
{"hour": 12, "minute": 22}
